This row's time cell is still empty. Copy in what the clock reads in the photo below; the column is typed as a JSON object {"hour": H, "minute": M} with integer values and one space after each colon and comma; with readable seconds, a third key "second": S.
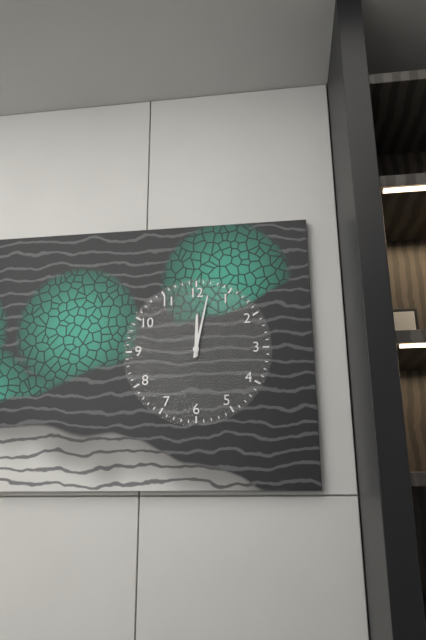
{"hour": 12, "minute": 2}
